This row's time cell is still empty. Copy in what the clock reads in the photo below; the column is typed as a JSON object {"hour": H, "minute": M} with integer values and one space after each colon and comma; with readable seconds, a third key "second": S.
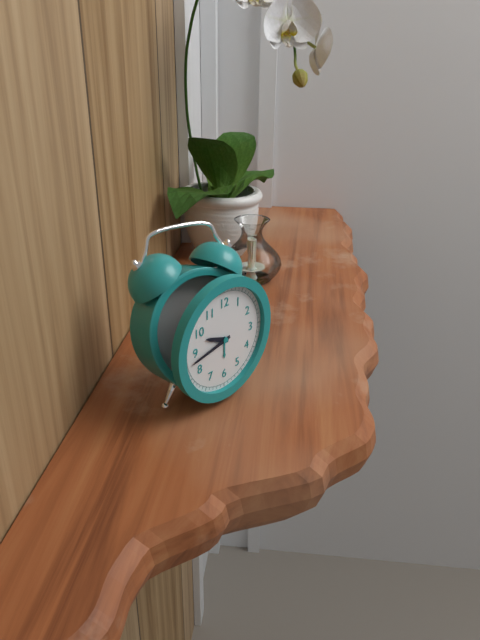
{"hour": 9, "minute": 43}
